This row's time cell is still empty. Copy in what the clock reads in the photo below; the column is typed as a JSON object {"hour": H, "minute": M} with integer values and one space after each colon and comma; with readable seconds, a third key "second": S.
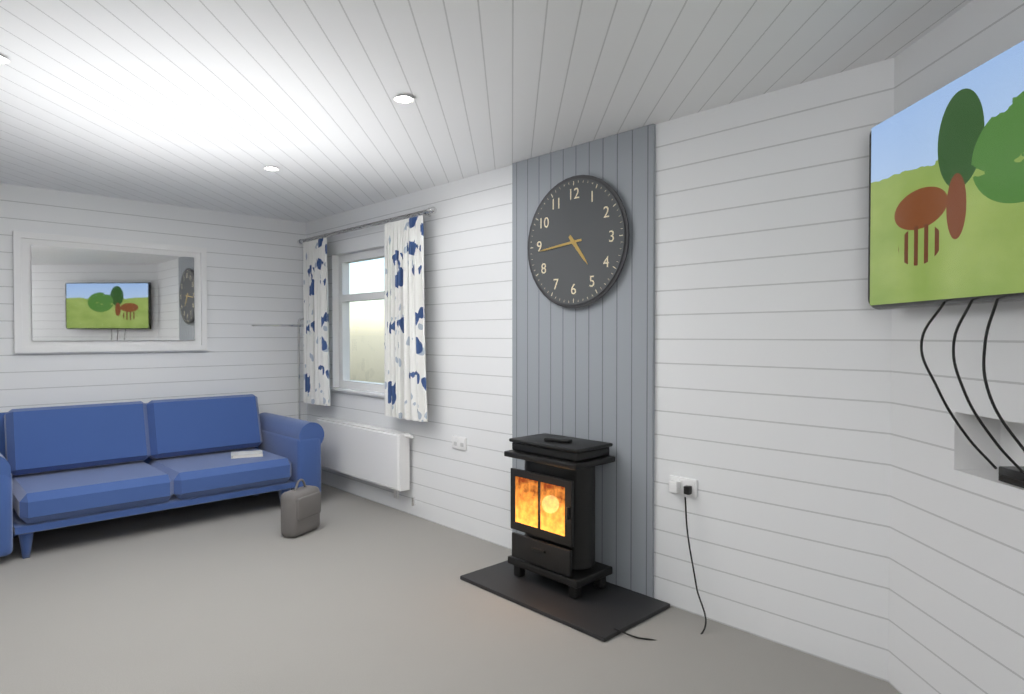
{"hour": 4, "minute": 44}
